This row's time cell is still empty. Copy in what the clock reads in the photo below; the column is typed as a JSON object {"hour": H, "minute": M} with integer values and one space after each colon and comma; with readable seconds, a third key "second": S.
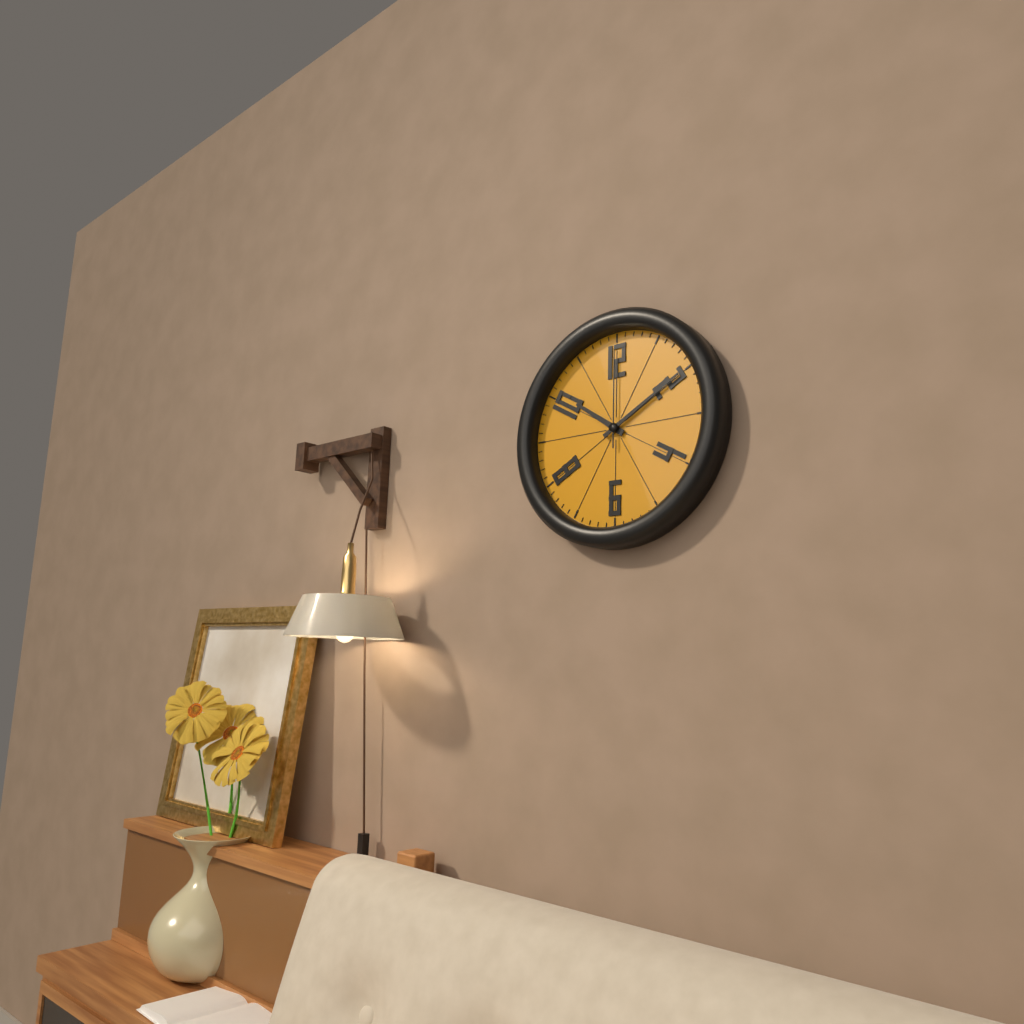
{"hour": 10, "minute": 10, "second": 0}
